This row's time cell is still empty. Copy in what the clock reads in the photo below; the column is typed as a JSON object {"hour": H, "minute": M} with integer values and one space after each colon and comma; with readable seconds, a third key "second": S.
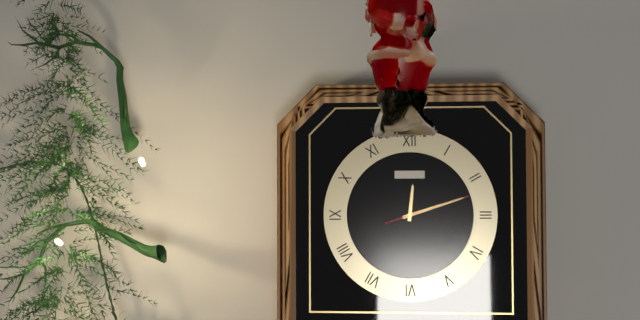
{"hour": 12, "minute": 12, "second": 12}
